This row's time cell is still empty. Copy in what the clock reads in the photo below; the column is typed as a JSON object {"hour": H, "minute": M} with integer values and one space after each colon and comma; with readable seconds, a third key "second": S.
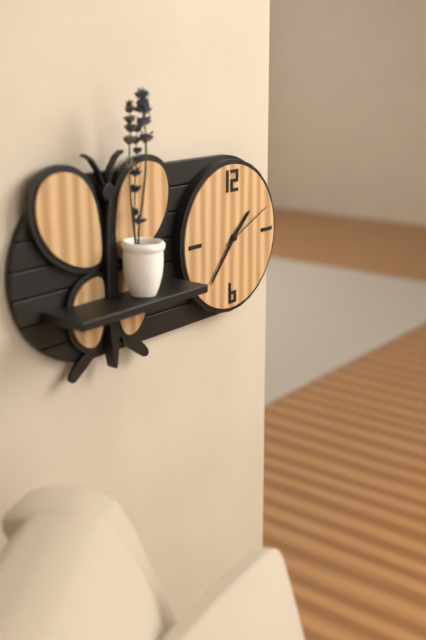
{"hour": 1, "minute": 37, "second": 11}
